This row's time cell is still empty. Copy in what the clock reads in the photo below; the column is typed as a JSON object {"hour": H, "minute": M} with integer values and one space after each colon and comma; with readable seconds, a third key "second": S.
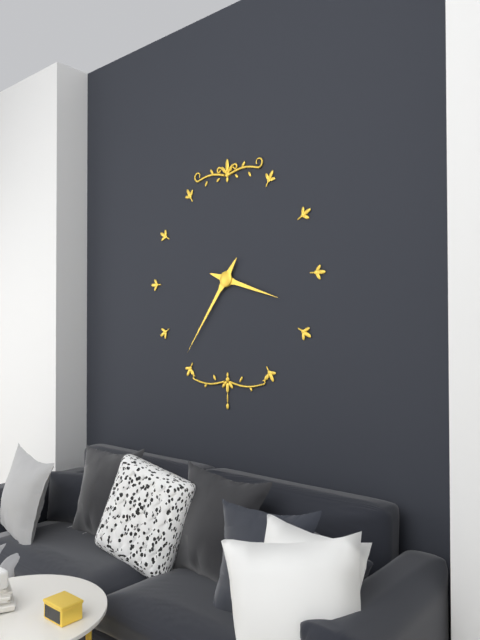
{"hour": 3, "minute": 36}
